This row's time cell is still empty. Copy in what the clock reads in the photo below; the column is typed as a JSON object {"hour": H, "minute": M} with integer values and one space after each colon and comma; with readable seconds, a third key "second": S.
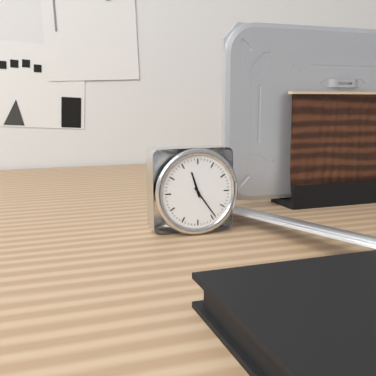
{"hour": 11, "minute": 24}
